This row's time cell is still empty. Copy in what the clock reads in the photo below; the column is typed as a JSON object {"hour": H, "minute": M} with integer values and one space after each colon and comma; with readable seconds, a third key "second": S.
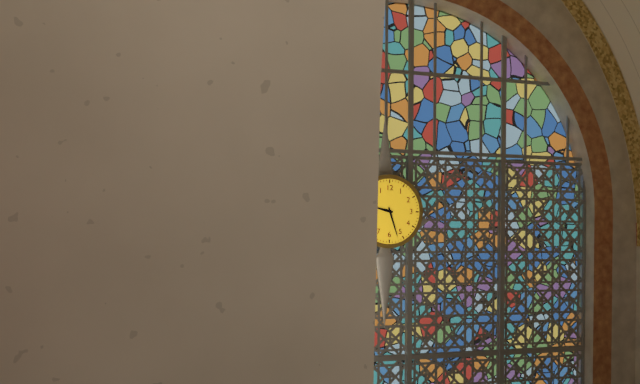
{"hour": 9, "minute": 27}
